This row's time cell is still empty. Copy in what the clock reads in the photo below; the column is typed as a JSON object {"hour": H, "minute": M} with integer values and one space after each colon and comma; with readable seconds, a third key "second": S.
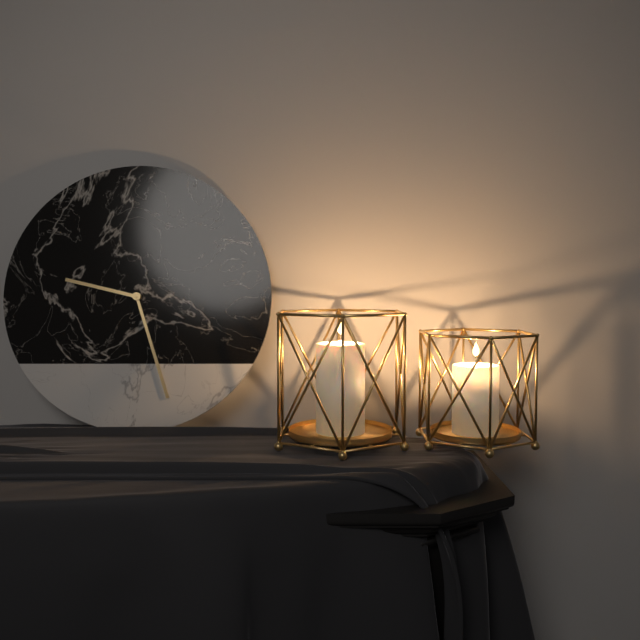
{"hour": 9, "minute": 27}
